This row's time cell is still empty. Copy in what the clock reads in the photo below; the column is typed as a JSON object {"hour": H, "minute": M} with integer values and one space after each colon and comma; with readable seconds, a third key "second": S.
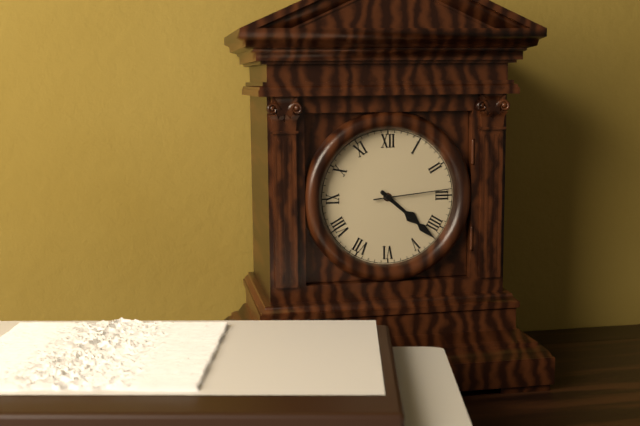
{"hour": 4, "minute": 22, "second": 14}
